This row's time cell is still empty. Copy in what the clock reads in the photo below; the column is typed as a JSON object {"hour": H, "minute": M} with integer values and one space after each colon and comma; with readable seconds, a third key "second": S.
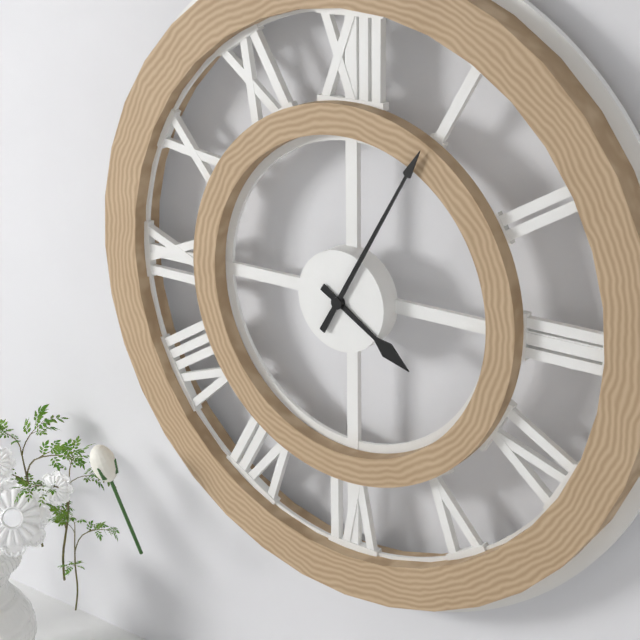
{"hour": 4, "minute": 5}
